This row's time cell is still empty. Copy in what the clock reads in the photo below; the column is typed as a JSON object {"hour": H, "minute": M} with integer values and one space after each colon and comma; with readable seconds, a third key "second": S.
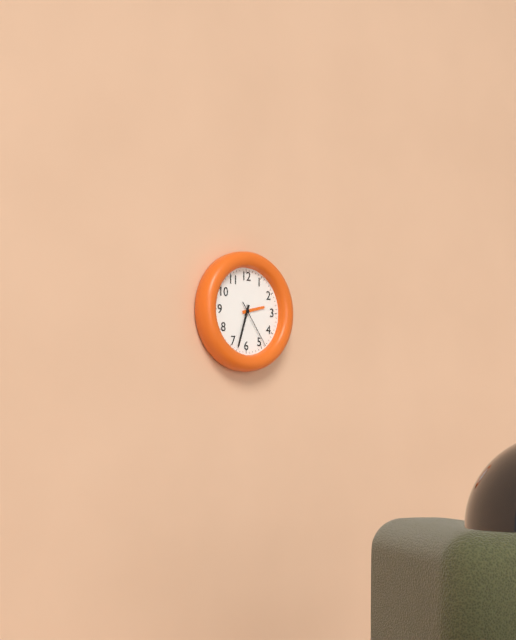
{"hour": 2, "minute": 33, "second": 24}
